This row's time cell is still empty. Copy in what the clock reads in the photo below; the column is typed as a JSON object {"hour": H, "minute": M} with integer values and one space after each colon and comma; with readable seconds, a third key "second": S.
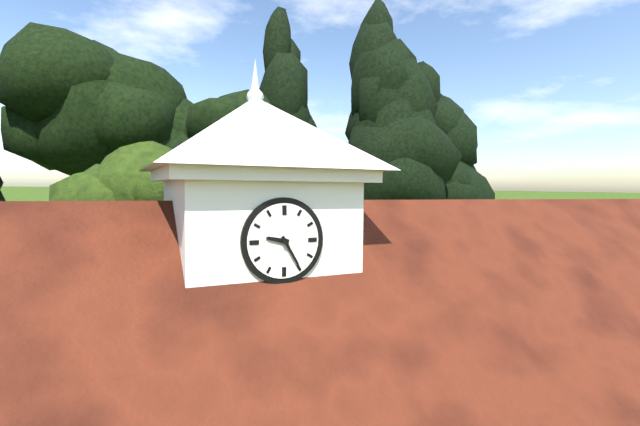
{"hour": 9, "minute": 25}
